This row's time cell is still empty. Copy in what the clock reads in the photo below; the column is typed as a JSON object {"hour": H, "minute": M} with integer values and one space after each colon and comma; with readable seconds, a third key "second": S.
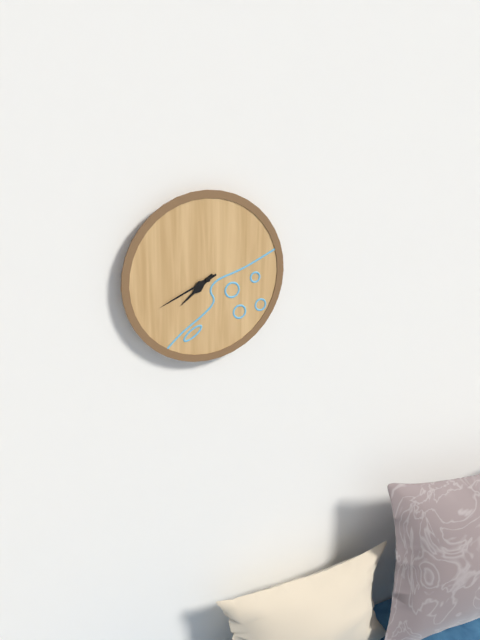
{"hour": 7, "minute": 41}
